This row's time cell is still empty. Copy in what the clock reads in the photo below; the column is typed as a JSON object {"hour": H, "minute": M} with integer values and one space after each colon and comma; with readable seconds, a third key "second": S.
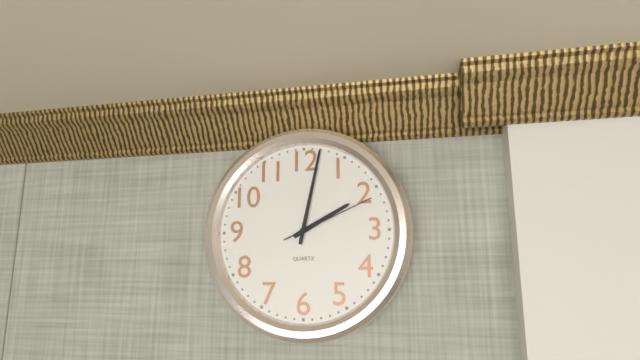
{"hour": 2, "minute": 2, "second": 11}
